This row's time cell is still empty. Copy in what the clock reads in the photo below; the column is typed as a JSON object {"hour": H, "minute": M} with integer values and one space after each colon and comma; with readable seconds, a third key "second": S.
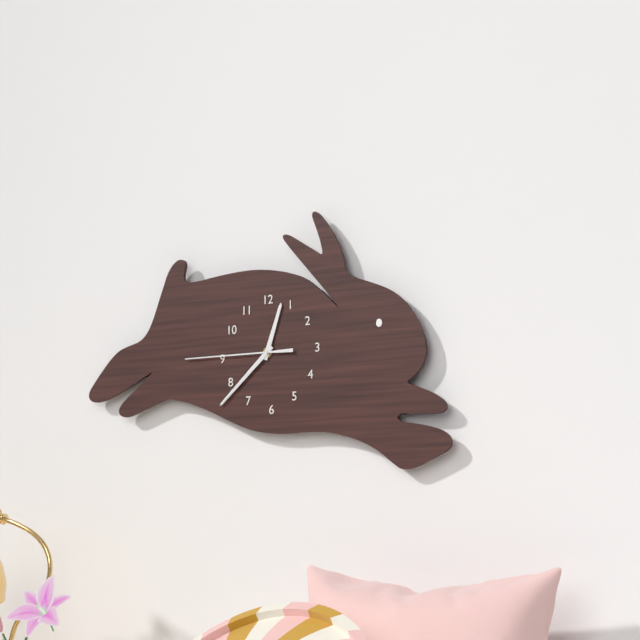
{"hour": 12, "minute": 38, "second": 45}
